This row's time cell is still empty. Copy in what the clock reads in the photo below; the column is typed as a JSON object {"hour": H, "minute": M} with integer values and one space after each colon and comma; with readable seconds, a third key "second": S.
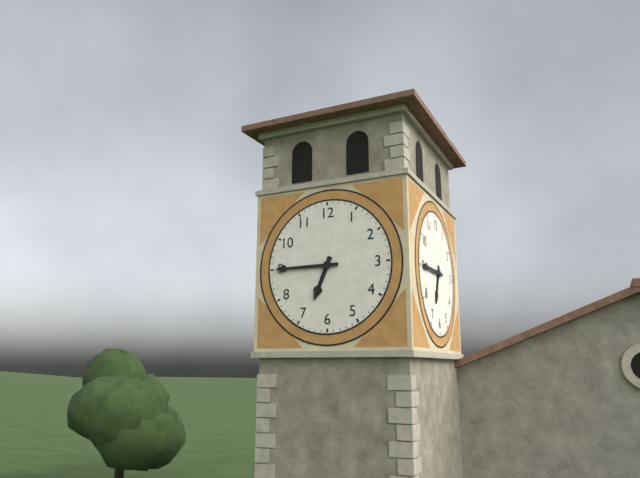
{"hour": 6, "minute": 45}
